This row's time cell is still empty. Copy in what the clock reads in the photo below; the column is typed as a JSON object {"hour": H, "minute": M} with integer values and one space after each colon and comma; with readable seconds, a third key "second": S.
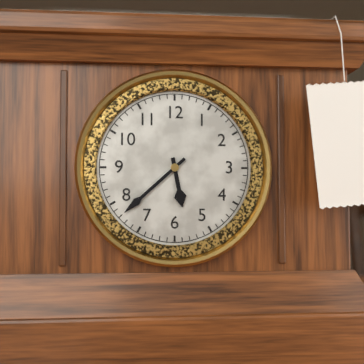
{"hour": 5, "minute": 38}
